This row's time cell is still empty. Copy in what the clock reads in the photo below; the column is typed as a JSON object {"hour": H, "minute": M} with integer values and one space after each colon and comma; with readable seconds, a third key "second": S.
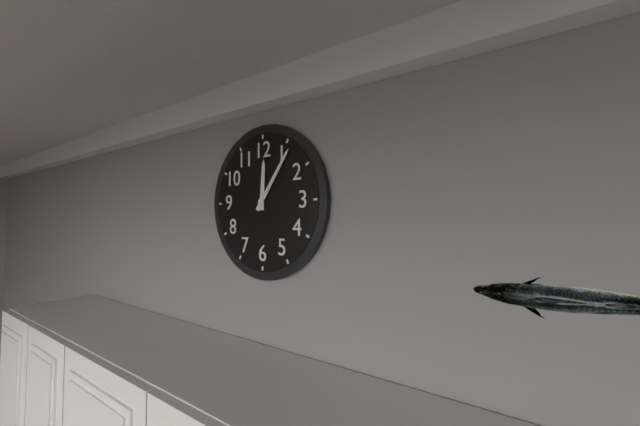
{"hour": 12, "minute": 6}
